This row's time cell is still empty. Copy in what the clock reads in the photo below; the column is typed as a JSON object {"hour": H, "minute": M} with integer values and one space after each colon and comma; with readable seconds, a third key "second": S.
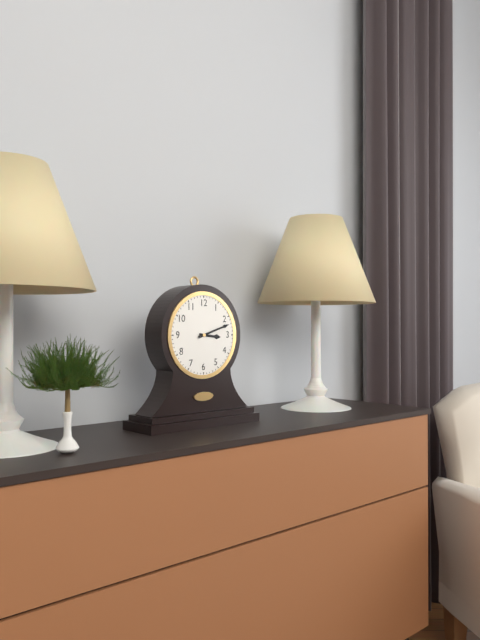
{"hour": 3, "minute": 12}
